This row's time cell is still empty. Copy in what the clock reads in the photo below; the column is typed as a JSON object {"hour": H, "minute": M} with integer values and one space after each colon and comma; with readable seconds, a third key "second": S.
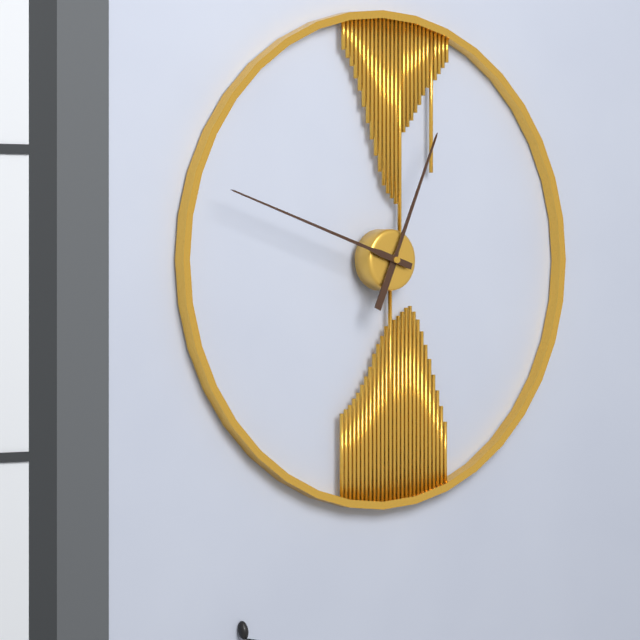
{"hour": 12, "minute": 48}
